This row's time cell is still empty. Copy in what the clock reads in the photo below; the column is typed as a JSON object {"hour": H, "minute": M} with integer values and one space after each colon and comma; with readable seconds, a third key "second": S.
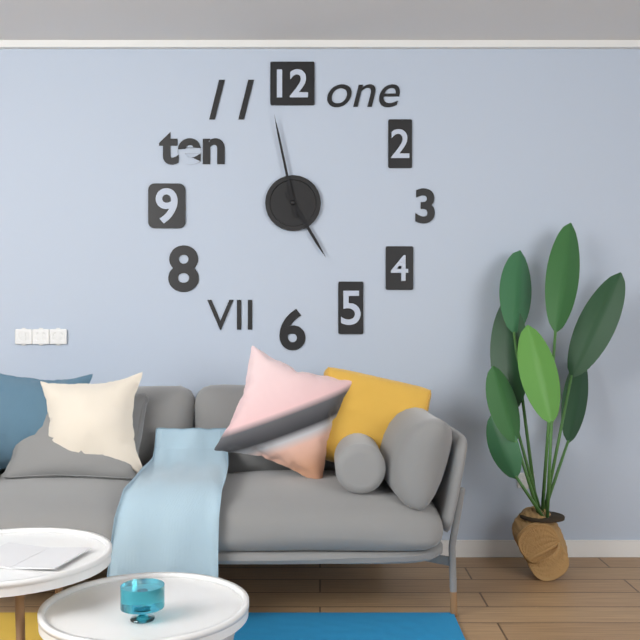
{"hour": 4, "minute": 58}
